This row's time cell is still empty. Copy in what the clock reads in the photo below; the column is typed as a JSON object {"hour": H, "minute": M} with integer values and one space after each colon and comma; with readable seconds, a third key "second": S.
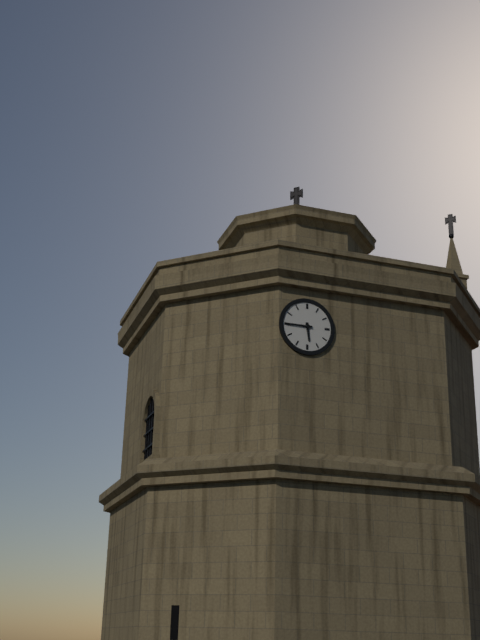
{"hour": 5, "minute": 45}
